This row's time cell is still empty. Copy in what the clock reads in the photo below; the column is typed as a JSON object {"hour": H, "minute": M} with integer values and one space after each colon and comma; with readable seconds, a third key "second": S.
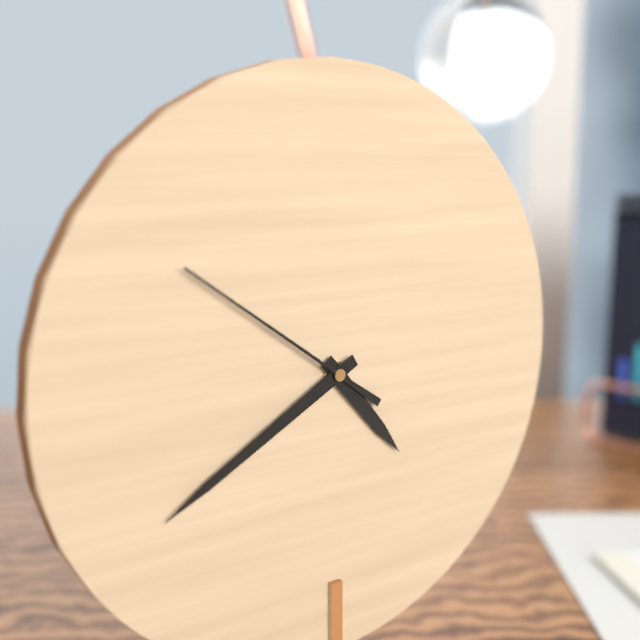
{"hour": 4, "minute": 40, "second": 51}
